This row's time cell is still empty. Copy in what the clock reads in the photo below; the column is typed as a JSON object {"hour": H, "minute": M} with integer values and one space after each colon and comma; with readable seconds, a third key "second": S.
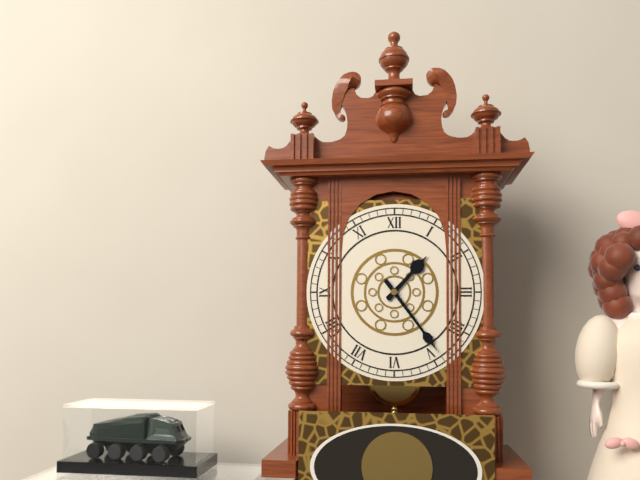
{"hour": 1, "minute": 24}
